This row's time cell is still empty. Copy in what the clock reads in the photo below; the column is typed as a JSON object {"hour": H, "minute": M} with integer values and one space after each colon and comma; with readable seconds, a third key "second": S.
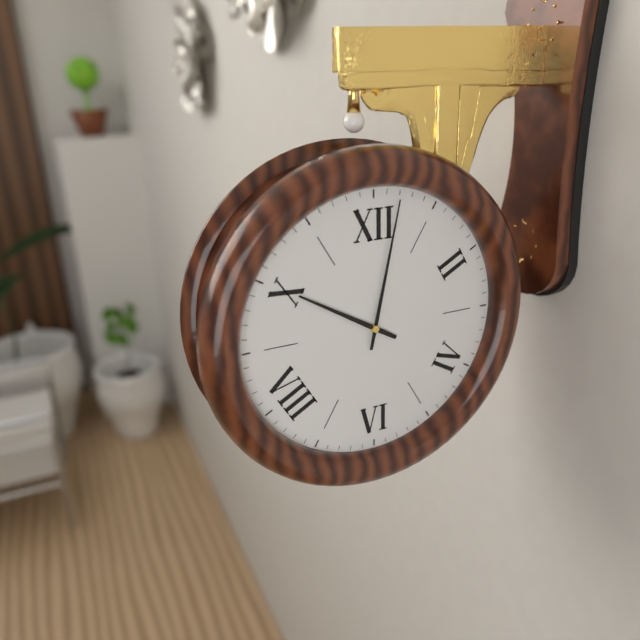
{"hour": 10, "minute": 2}
